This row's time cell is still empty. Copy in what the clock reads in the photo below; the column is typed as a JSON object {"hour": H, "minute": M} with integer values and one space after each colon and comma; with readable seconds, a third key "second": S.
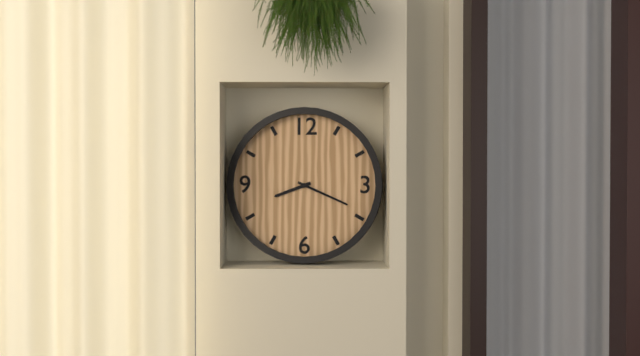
{"hour": 8, "minute": 19}
